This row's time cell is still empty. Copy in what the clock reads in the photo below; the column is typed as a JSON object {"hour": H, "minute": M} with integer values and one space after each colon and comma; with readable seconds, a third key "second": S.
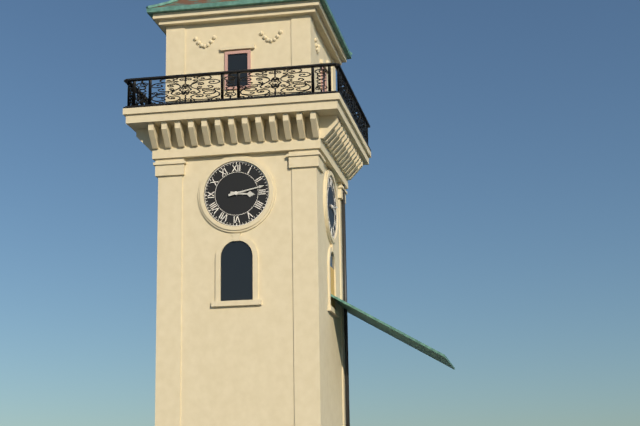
{"hour": 3, "minute": 13}
